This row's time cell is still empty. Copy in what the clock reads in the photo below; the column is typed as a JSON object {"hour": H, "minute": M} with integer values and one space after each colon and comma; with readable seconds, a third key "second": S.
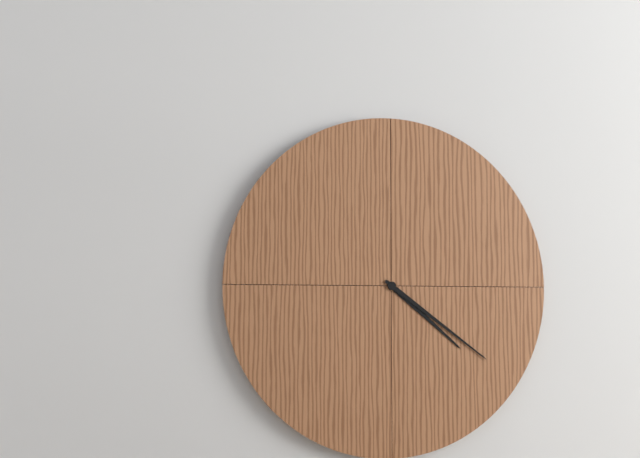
{"hour": 4, "minute": 21}
